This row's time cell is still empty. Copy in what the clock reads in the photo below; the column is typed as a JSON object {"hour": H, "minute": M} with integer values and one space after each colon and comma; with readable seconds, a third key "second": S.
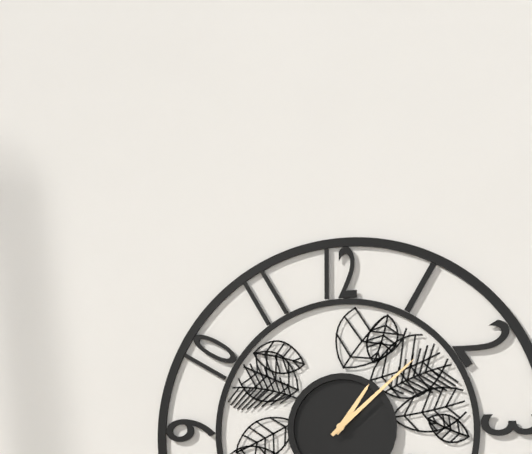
{"hour": 1, "minute": 8}
